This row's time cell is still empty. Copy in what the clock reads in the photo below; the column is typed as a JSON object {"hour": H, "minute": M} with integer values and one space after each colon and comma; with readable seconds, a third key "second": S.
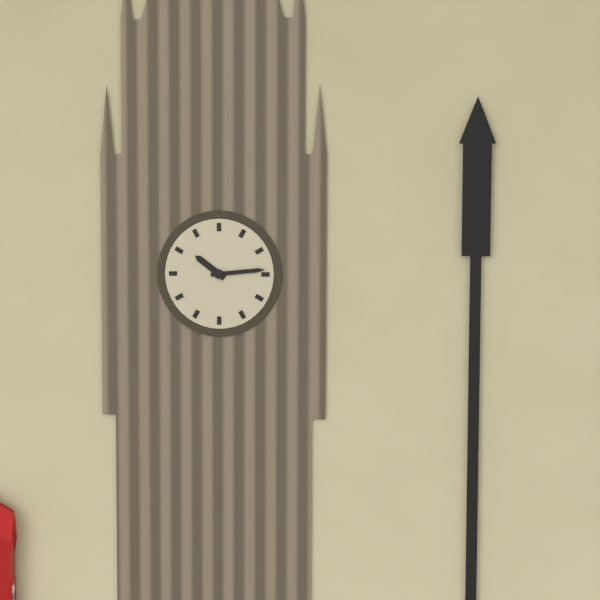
{"hour": 10, "minute": 14}
